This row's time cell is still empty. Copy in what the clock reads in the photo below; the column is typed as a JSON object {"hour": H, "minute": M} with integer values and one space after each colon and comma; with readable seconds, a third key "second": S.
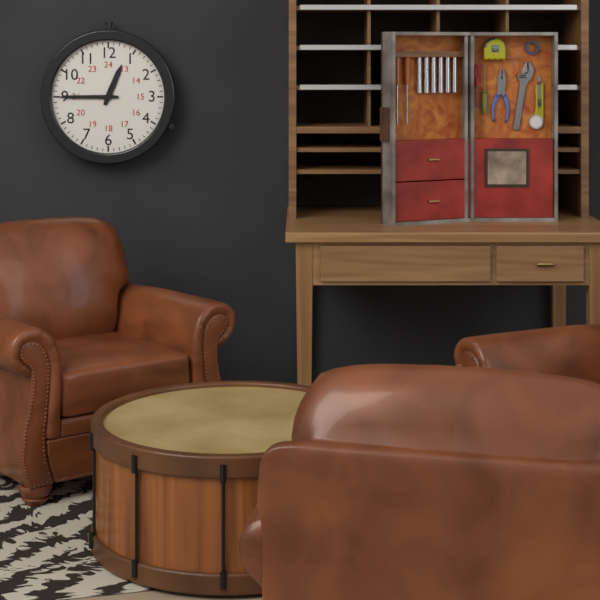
{"hour": 12, "minute": 45}
